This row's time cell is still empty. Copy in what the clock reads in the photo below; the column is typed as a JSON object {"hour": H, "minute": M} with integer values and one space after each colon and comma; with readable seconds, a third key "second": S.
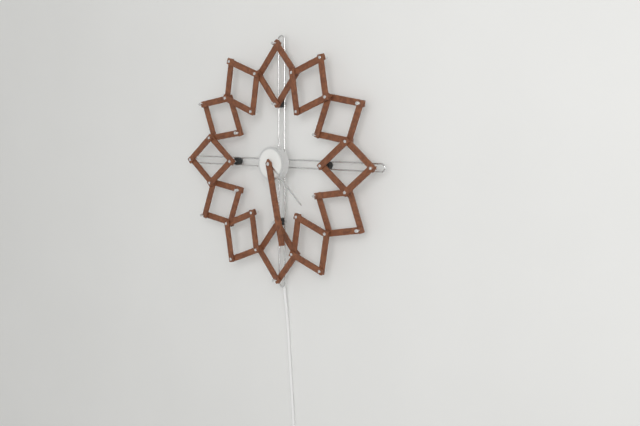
{"hour": 4, "minute": 28}
